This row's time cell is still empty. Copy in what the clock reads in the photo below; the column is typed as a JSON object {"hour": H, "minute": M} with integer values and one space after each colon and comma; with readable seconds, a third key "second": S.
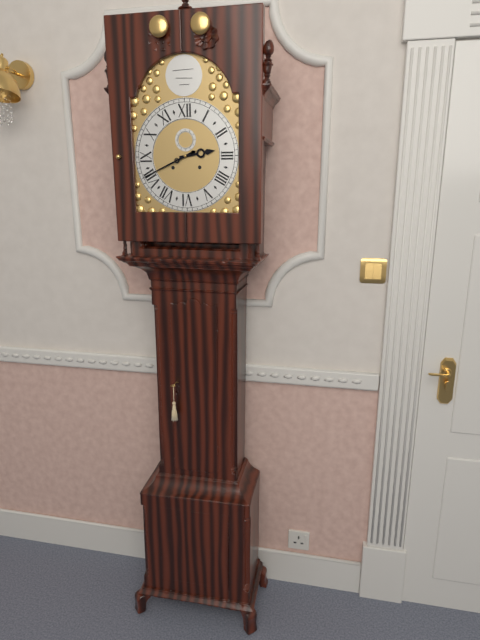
{"hour": 2, "minute": 41}
